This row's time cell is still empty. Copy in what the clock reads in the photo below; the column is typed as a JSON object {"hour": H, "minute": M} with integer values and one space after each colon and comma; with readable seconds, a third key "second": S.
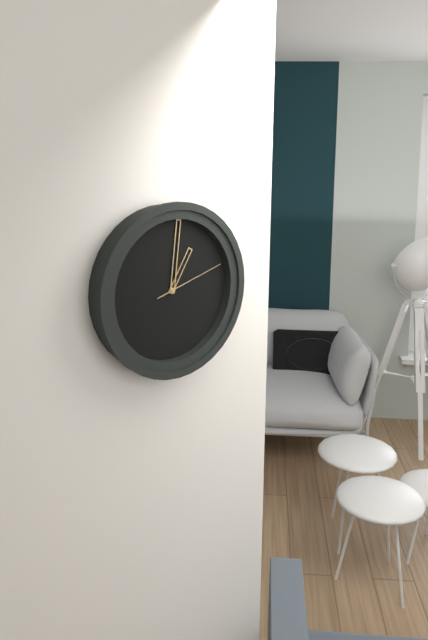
{"hour": 1, "minute": 1, "second": 12}
